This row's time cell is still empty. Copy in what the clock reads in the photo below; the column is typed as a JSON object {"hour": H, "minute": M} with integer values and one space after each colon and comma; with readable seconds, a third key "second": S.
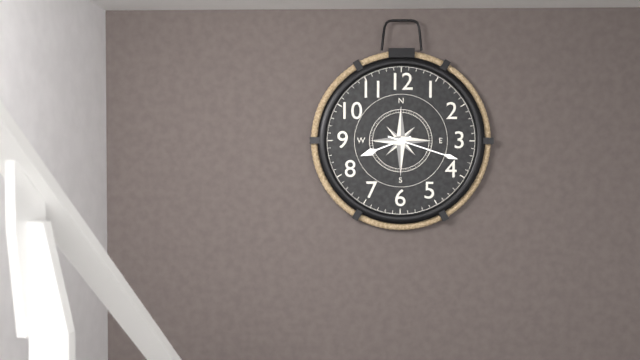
{"hour": 8, "minute": 18}
